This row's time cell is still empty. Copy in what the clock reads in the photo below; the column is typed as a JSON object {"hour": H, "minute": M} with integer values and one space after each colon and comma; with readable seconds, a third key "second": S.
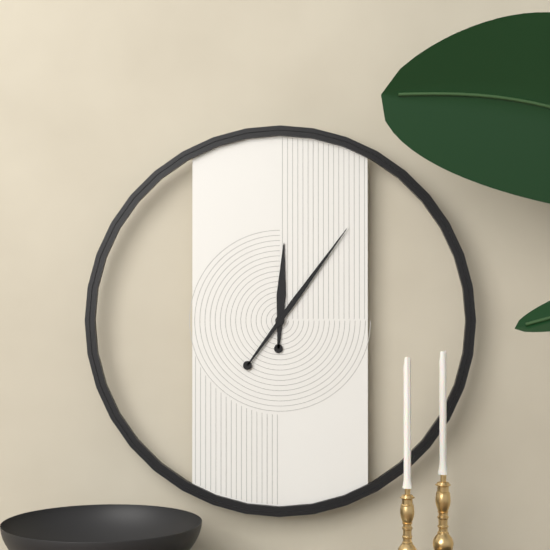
{"hour": 12, "minute": 6}
